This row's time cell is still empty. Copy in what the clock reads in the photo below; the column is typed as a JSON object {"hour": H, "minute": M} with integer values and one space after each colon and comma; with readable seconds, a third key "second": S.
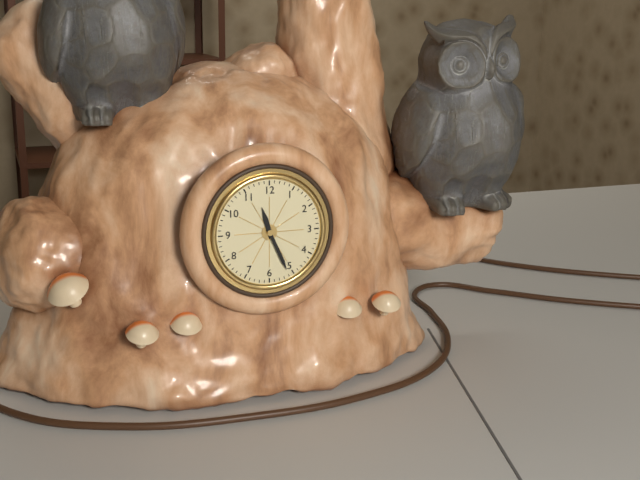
{"hour": 11, "minute": 26}
